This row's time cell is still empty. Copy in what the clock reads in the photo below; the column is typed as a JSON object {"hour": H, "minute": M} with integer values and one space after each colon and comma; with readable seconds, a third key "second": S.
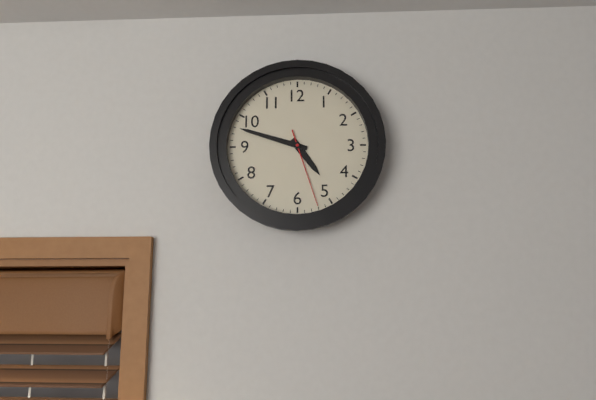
{"hour": 4, "minute": 48, "second": 27}
